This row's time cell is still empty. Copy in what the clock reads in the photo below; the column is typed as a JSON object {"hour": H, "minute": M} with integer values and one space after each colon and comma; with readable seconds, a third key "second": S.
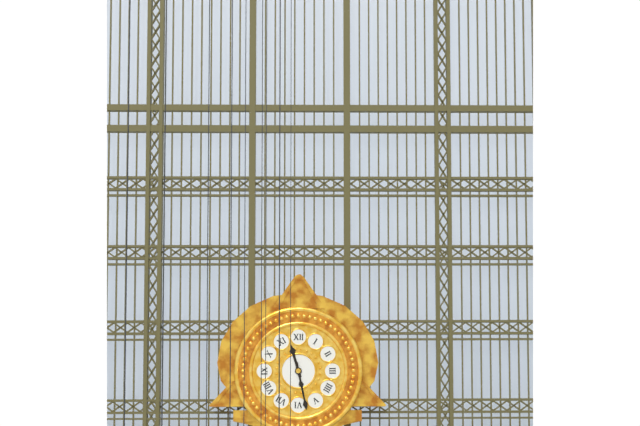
{"hour": 11, "minute": 28}
